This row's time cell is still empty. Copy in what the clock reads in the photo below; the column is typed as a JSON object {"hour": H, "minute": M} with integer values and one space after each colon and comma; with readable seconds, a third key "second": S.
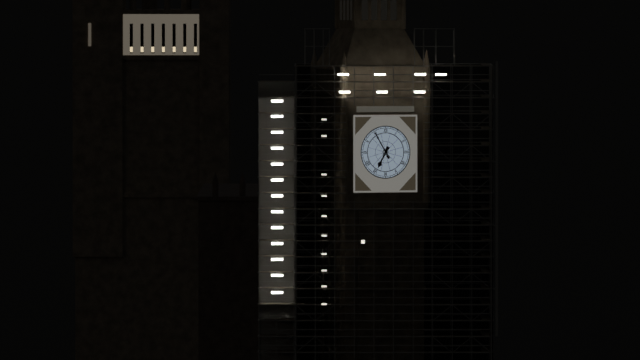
{"hour": 6, "minute": 55}
